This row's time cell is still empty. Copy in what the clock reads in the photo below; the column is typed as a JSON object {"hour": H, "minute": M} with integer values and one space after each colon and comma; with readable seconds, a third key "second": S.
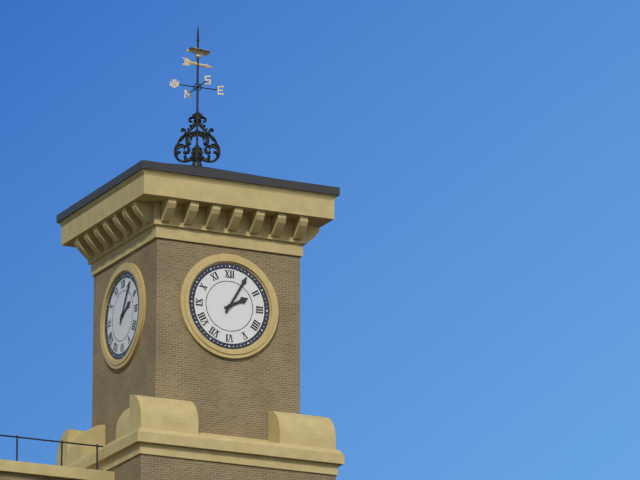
{"hour": 2, "minute": 5}
